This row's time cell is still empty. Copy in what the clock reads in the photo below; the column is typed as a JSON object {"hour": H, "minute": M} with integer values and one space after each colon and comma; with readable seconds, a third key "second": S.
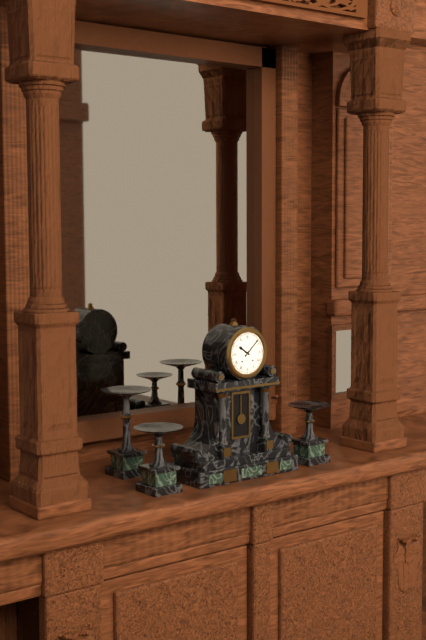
{"hour": 10, "minute": 8}
